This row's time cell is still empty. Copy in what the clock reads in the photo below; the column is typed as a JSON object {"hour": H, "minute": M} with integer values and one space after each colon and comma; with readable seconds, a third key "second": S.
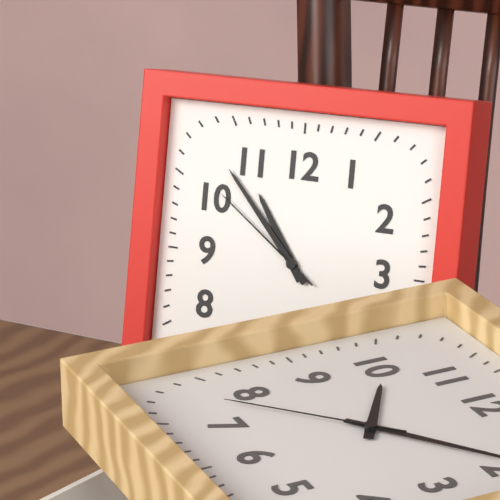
{"hour": 10, "minute": 53, "second": 51}
